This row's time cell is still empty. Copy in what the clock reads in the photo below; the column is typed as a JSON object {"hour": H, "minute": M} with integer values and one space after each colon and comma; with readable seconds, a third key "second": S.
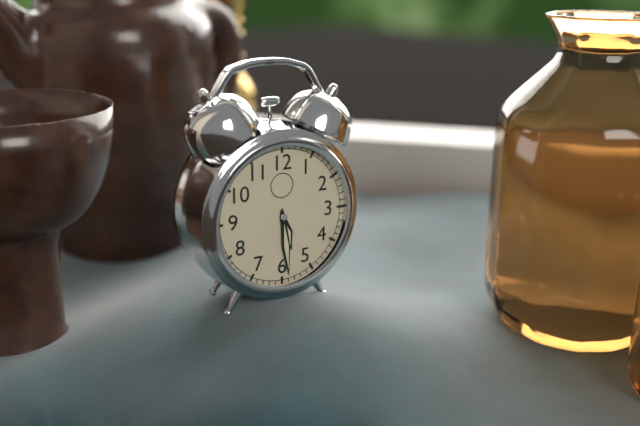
{"hour": 5, "minute": 29}
